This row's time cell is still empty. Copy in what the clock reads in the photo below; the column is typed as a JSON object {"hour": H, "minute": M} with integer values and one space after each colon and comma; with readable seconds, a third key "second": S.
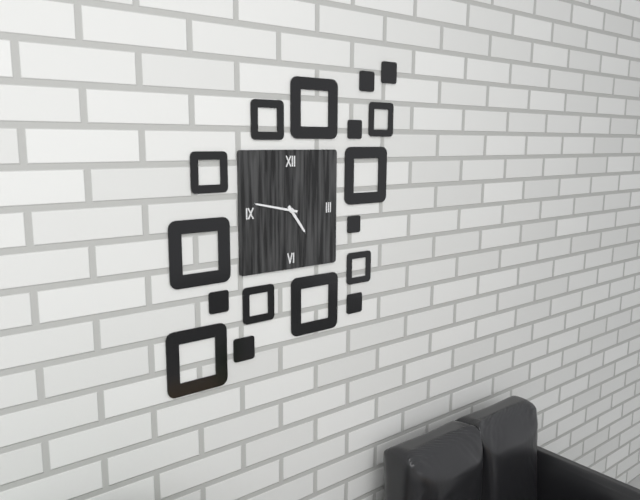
{"hour": 4, "minute": 47}
